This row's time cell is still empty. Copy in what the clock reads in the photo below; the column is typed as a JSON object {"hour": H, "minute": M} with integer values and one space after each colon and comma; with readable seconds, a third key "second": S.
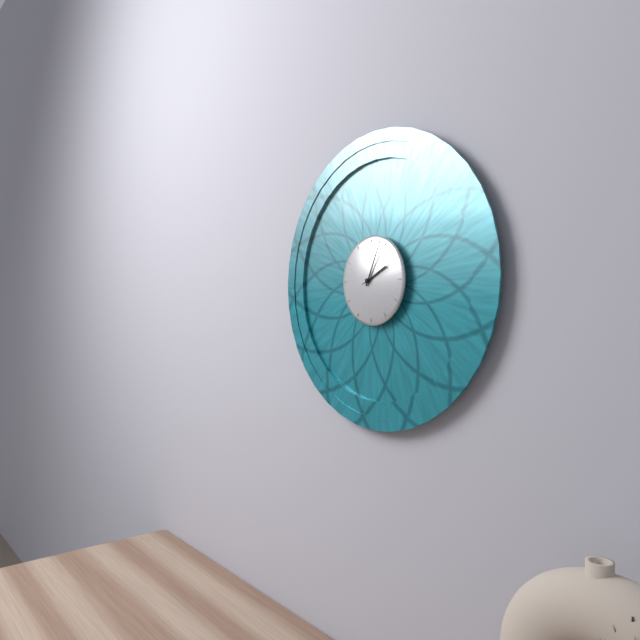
{"hour": 2, "minute": 4}
